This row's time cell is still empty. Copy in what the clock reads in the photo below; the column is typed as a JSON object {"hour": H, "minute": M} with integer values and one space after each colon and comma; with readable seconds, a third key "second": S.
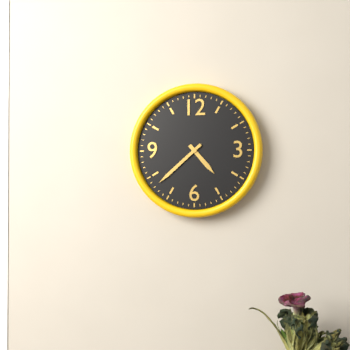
{"hour": 4, "minute": 38}
